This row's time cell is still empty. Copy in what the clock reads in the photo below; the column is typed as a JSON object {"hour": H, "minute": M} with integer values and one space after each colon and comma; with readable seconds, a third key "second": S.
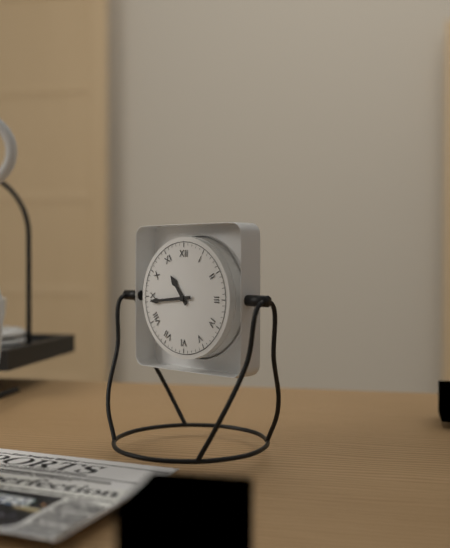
{"hour": 10, "minute": 44}
